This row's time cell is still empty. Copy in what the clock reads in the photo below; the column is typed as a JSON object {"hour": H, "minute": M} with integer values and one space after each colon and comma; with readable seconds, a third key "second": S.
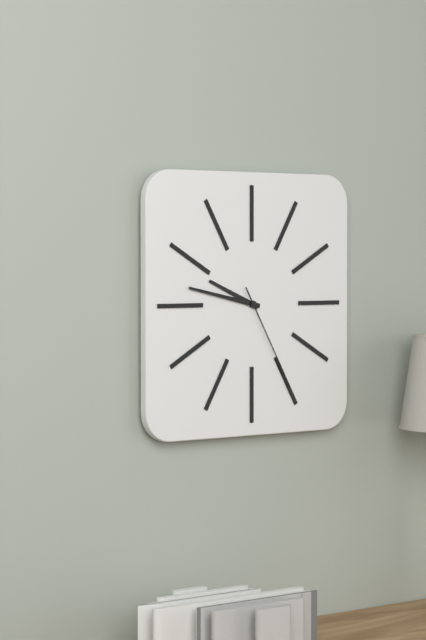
{"hour": 9, "minute": 47, "second": 25}
